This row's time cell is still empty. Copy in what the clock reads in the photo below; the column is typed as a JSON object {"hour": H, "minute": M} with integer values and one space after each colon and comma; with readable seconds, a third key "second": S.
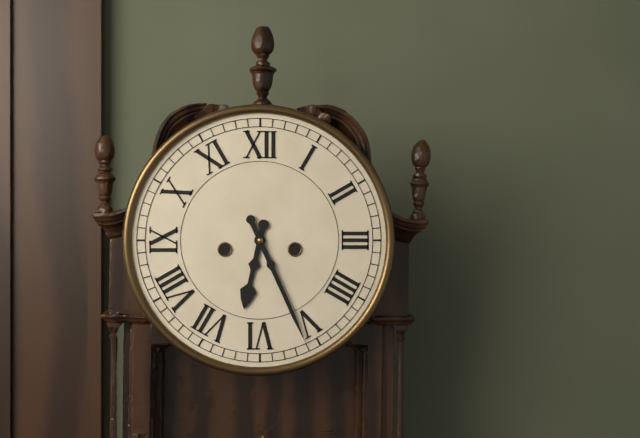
{"hour": 6, "minute": 26}
